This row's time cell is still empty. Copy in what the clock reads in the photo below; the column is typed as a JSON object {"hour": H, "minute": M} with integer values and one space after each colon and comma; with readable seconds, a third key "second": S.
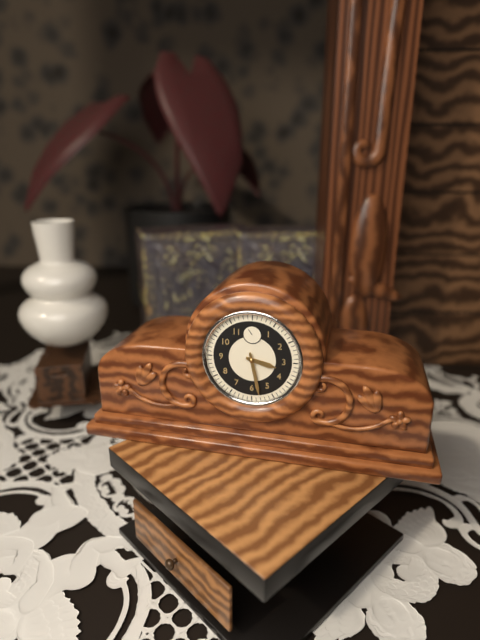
{"hour": 3, "minute": 28}
